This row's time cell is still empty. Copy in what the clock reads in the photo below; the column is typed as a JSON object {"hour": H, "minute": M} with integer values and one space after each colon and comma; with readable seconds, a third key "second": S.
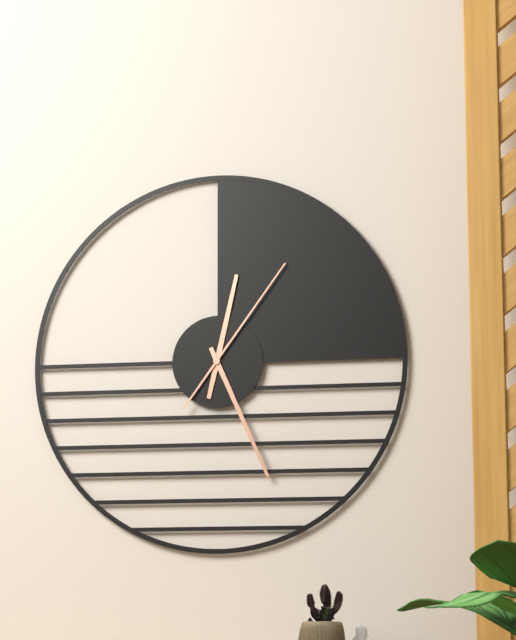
{"hour": 12, "minute": 26, "second": 6}
